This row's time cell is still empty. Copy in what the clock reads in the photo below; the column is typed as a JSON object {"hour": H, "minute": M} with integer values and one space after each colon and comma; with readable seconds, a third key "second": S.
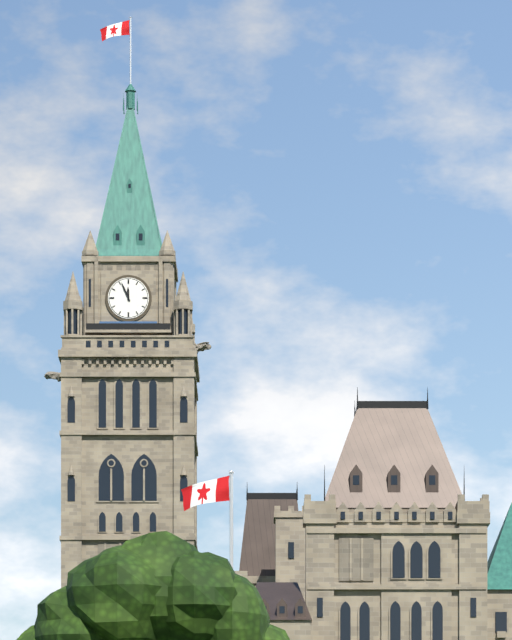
{"hour": 11, "minute": 56}
